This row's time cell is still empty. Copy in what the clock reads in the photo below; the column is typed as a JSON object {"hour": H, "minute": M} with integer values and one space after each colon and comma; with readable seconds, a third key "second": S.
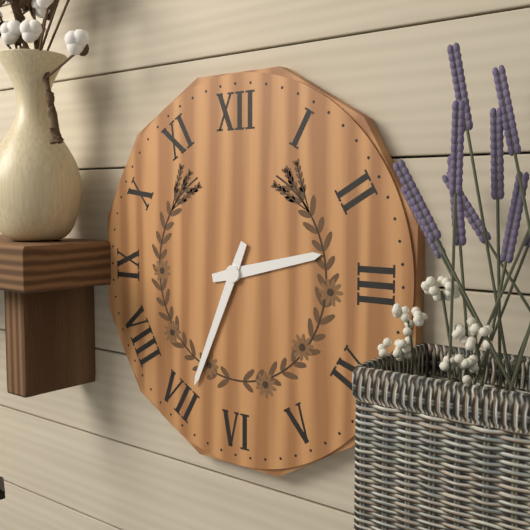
{"hour": 2, "minute": 34}
